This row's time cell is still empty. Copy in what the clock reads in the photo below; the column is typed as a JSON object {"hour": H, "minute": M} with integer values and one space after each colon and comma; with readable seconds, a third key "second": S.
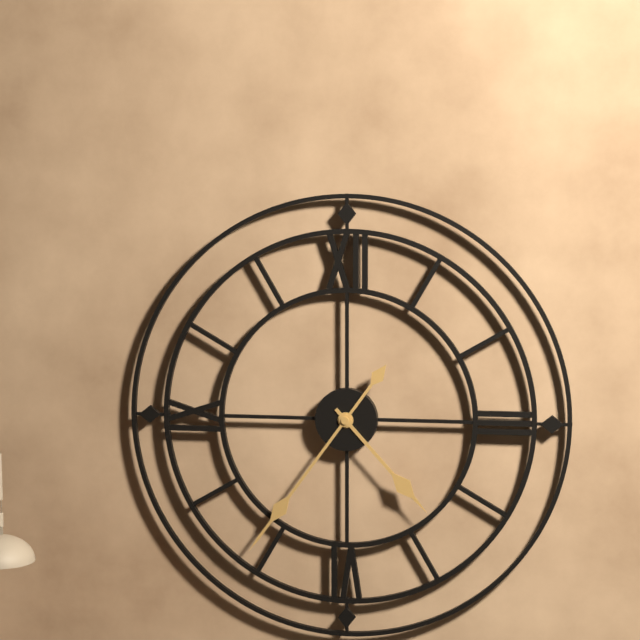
{"hour": 4, "minute": 36}
